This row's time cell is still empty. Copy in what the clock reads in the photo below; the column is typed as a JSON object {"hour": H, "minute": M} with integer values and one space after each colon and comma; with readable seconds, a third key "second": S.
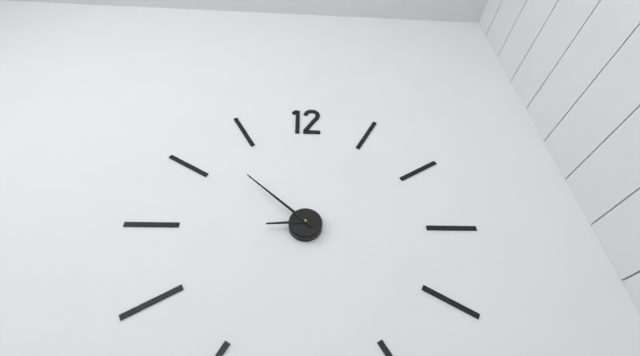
{"hour": 8, "minute": 52}
